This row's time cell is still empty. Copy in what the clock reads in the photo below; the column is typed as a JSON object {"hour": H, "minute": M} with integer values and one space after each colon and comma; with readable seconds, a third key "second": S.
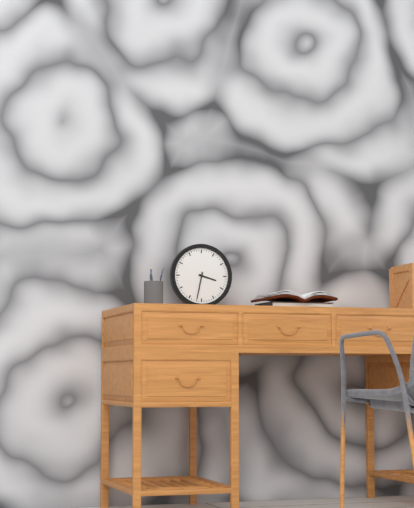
{"hour": 3, "minute": 32}
